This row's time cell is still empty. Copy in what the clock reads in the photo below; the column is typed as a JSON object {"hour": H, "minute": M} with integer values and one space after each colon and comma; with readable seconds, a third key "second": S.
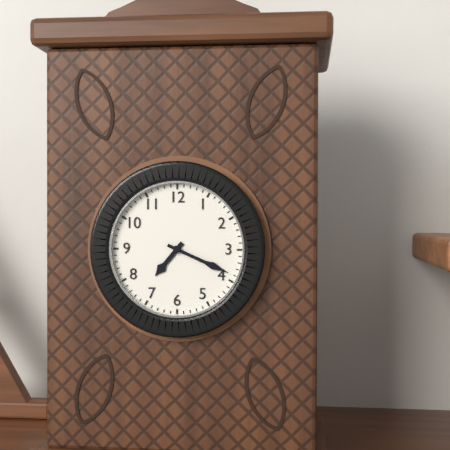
{"hour": 7, "minute": 19}
